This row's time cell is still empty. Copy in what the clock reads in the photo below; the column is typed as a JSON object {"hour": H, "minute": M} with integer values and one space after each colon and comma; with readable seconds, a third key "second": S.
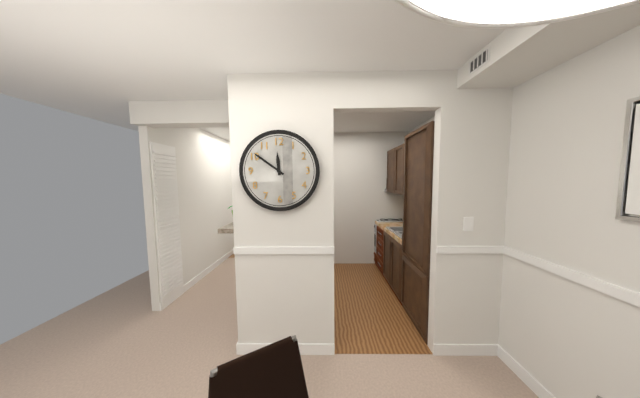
{"hour": 11, "minute": 51}
